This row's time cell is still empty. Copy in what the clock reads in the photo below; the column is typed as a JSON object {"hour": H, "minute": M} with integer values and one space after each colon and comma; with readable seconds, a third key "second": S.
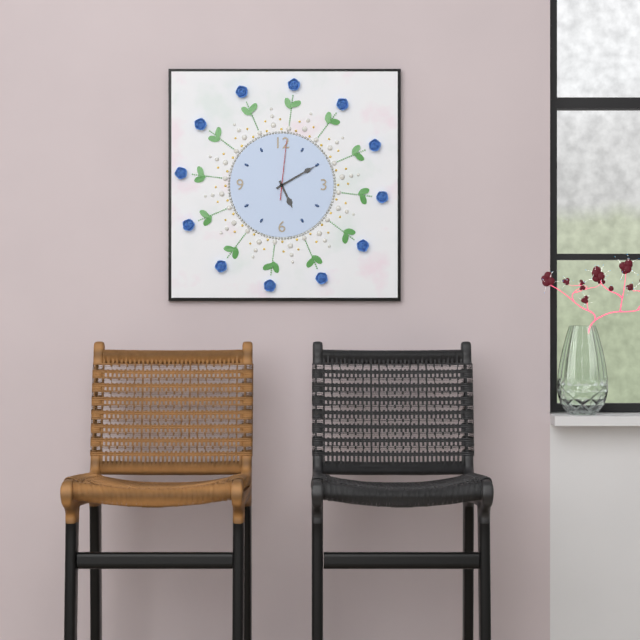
{"hour": 5, "minute": 10, "second": 1}
